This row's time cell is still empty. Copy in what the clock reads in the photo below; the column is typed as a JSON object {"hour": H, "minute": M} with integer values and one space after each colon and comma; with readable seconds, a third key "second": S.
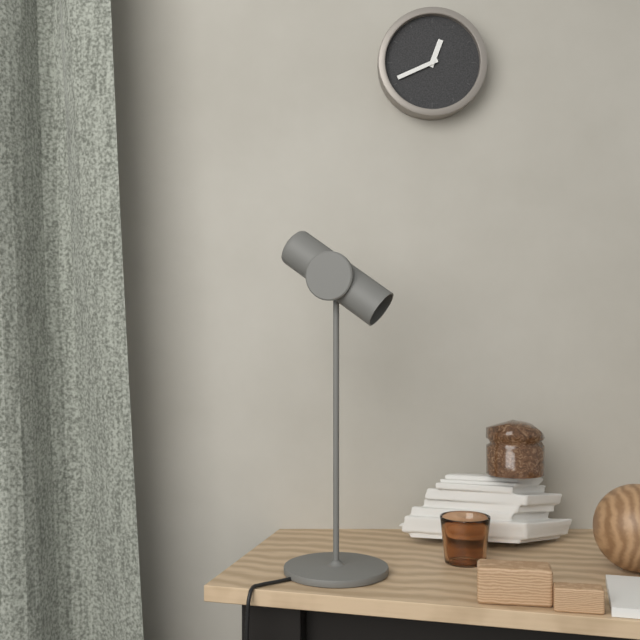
{"hour": 12, "minute": 41}
